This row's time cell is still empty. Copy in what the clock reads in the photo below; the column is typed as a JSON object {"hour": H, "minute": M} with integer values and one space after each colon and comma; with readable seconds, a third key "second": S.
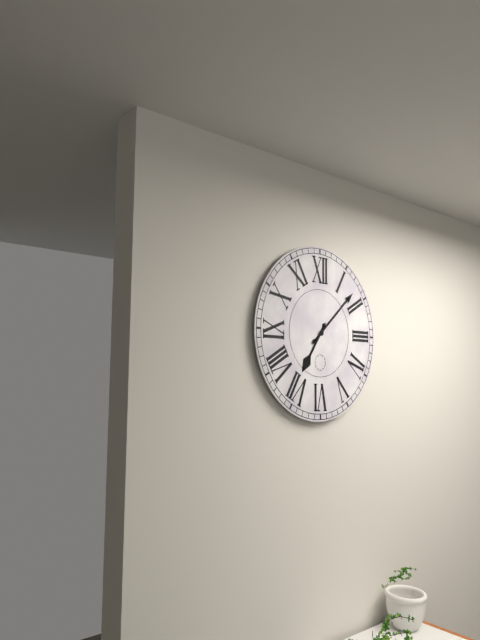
{"hour": 7, "minute": 8}
